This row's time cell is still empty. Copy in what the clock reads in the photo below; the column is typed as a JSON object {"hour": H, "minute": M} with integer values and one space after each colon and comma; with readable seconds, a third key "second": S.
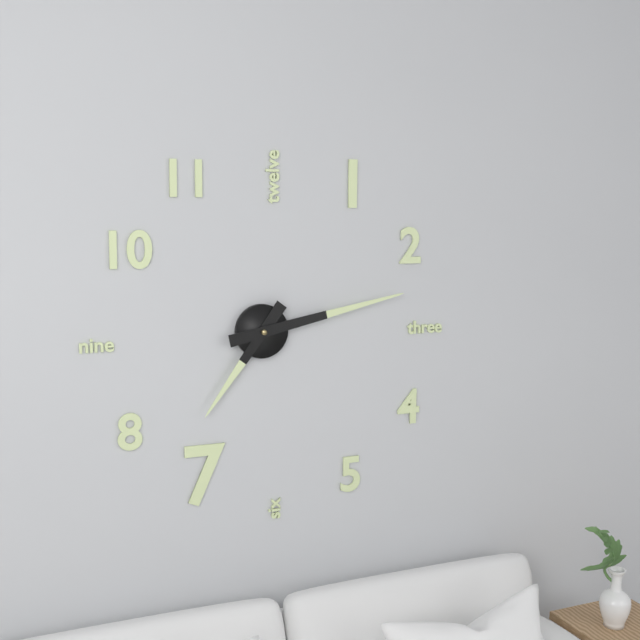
{"hour": 7, "minute": 13}
